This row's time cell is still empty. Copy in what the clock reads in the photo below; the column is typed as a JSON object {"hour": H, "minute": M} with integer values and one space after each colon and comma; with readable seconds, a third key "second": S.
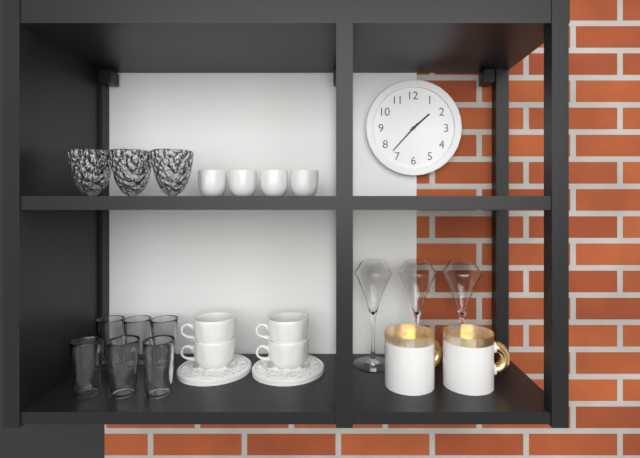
{"hour": 1, "minute": 37}
